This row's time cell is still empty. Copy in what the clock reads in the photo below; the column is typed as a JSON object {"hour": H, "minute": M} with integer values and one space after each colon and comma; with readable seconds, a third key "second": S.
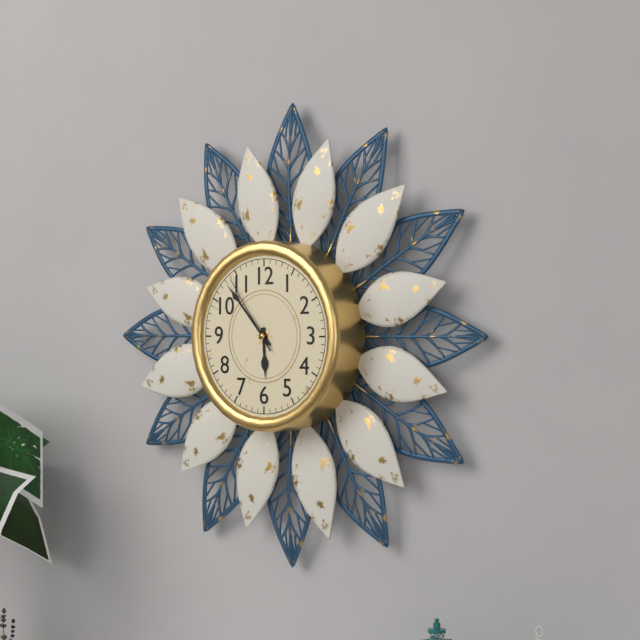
{"hour": 5, "minute": 53, "second": 54}
